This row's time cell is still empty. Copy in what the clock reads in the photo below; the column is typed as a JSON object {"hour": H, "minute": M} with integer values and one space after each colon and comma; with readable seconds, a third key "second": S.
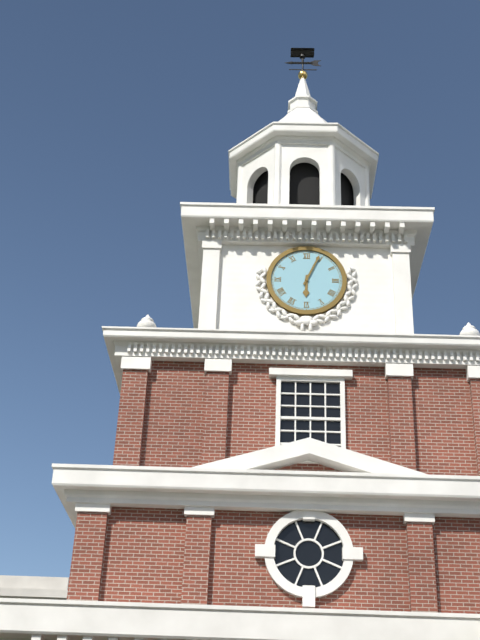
{"hour": 6, "minute": 4}
